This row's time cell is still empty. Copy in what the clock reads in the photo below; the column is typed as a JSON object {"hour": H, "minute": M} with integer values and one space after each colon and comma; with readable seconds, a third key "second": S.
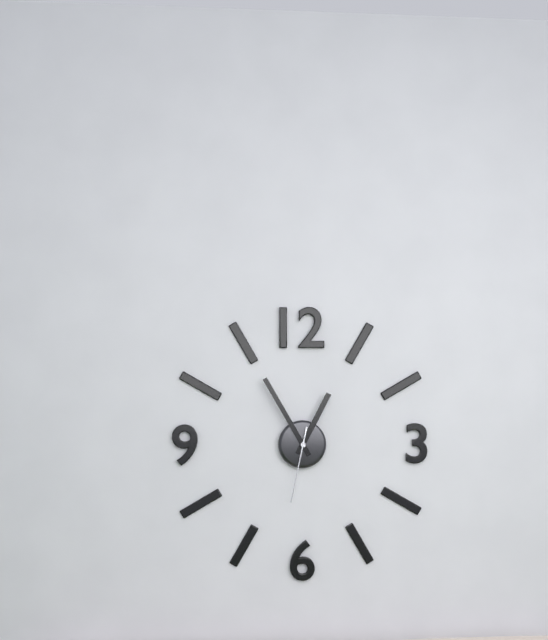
{"hour": 12, "minute": 55, "second": 32}
